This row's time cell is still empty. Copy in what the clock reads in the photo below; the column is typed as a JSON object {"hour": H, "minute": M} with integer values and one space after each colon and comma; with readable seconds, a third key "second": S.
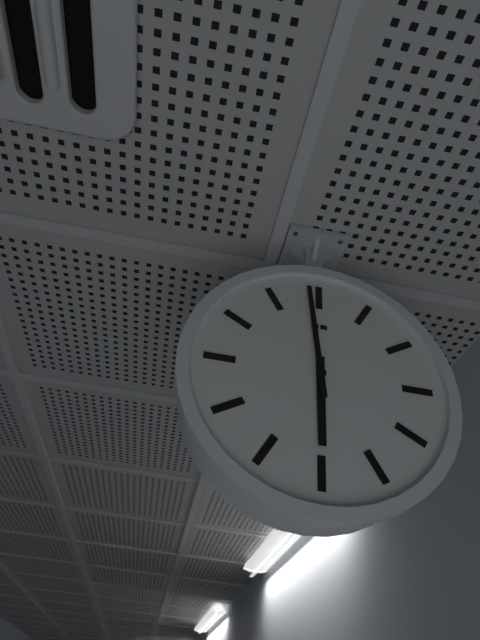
{"hour": 5, "minute": 59}
